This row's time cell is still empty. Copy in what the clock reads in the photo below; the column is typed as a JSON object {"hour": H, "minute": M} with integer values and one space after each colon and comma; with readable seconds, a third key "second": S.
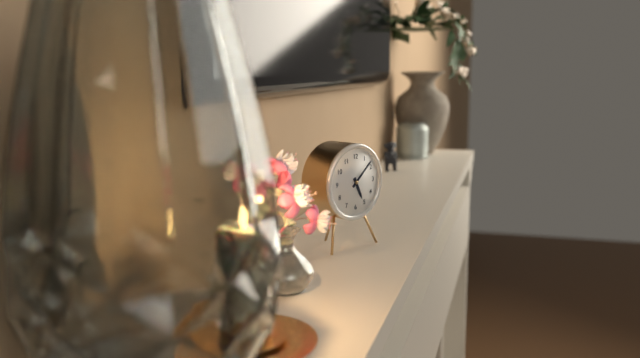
{"hour": 5, "minute": 8}
